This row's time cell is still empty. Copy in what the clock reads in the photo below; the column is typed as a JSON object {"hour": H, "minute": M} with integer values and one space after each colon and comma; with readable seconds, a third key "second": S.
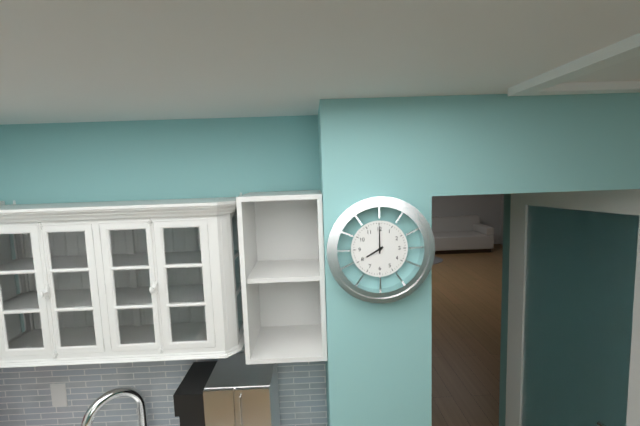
{"hour": 8, "minute": 0}
